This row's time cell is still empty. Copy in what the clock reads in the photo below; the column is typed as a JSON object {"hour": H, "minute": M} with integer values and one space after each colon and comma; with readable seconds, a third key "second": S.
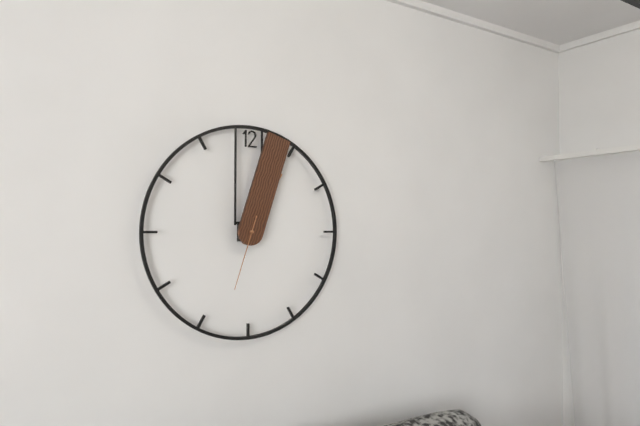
{"hour": 1, "minute": 3, "second": 33}
